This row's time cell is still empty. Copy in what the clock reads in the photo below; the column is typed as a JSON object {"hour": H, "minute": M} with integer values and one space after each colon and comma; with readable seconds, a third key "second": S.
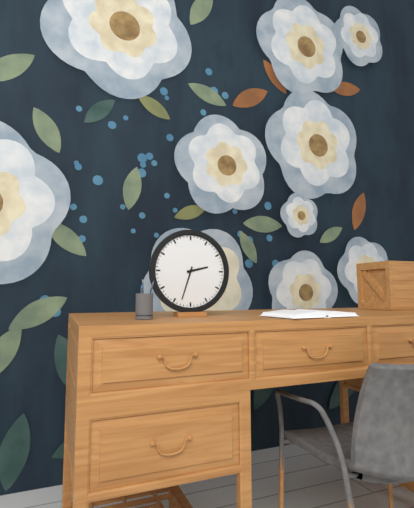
{"hour": 2, "minute": 33}
